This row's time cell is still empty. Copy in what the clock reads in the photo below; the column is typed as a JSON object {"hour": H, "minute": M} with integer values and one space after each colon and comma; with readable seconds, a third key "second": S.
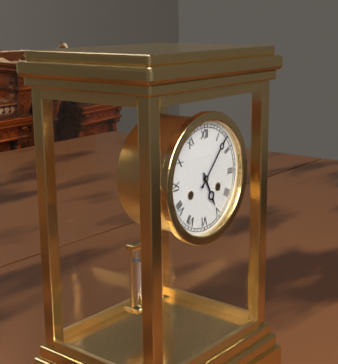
{"hour": 5, "minute": 7}
